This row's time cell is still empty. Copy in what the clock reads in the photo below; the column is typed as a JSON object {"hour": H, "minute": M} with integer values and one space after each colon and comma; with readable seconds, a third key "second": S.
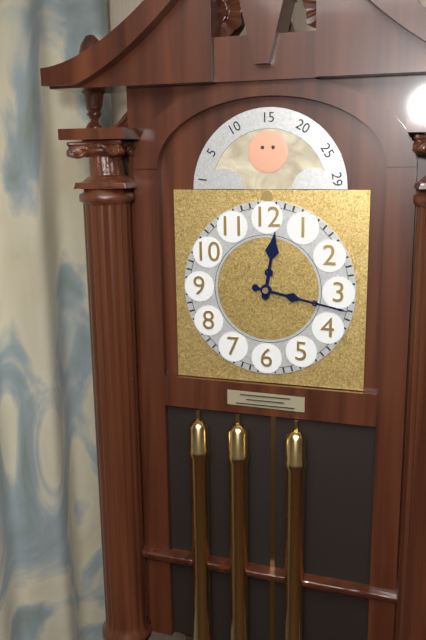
{"hour": 12, "minute": 17}
